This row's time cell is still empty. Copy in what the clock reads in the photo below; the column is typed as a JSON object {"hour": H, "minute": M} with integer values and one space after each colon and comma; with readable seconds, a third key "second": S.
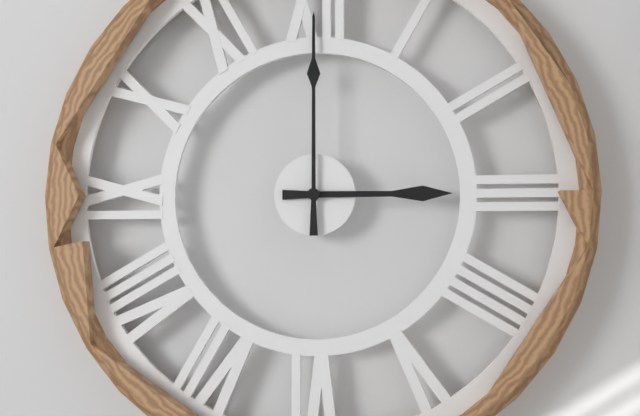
{"hour": 3, "minute": 0}
